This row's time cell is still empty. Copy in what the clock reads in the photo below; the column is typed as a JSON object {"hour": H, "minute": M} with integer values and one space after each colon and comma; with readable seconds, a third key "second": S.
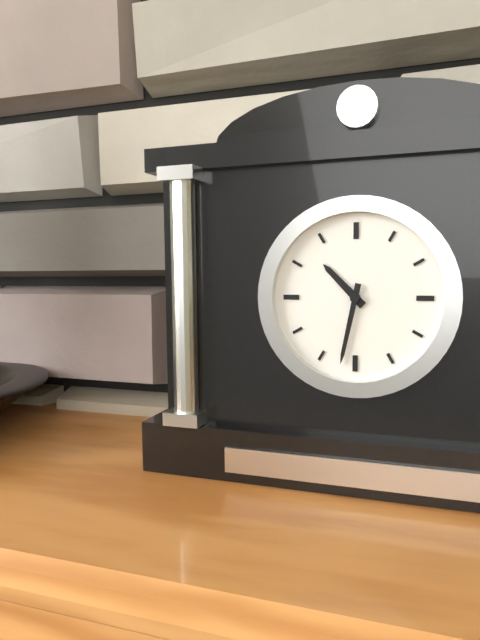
{"hour": 10, "minute": 32}
